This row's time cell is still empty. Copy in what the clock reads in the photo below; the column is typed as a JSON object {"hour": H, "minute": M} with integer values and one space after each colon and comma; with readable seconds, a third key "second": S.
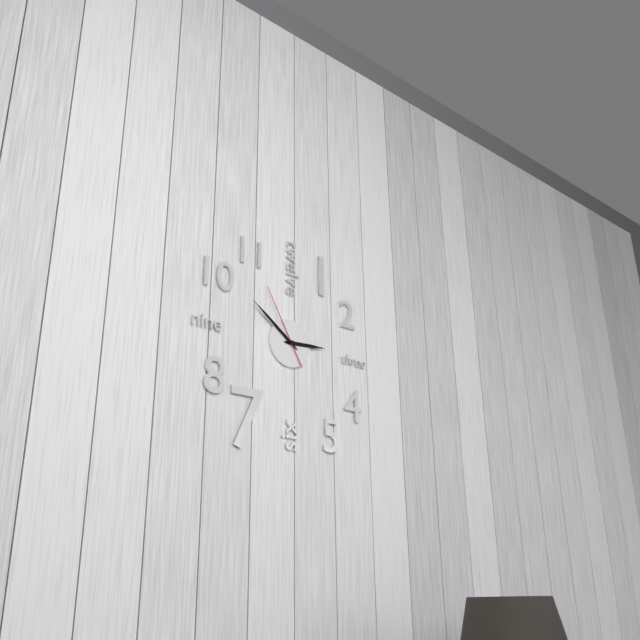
{"hour": 2, "minute": 51, "second": 55}
